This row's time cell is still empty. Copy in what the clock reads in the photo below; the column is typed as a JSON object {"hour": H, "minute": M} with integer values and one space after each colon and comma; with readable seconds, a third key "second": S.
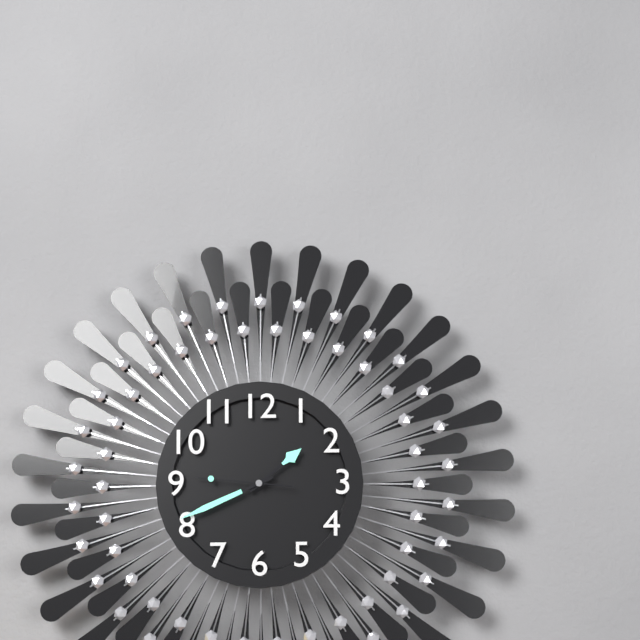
{"hour": 1, "minute": 41, "second": 46}
